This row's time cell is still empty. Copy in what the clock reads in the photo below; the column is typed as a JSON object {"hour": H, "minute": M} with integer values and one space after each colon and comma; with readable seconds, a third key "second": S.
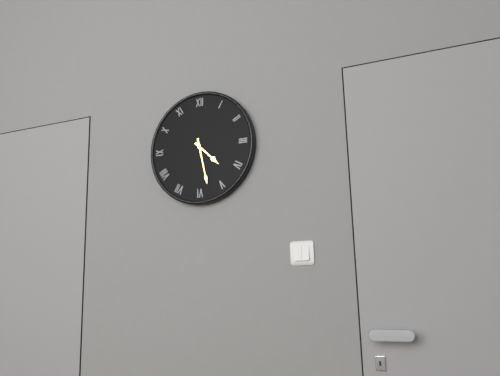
{"hour": 4, "minute": 28}
